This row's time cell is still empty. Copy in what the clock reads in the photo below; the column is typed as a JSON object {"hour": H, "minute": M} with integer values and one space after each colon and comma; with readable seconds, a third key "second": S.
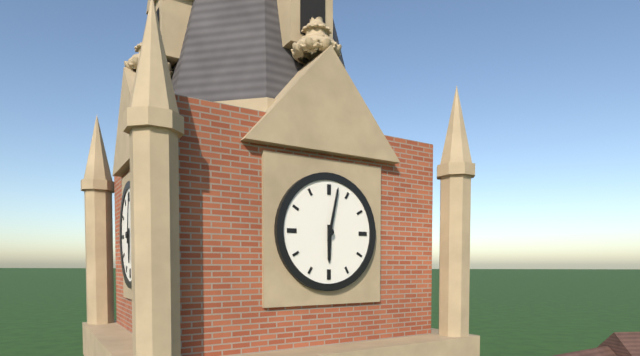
{"hour": 6, "minute": 2}
